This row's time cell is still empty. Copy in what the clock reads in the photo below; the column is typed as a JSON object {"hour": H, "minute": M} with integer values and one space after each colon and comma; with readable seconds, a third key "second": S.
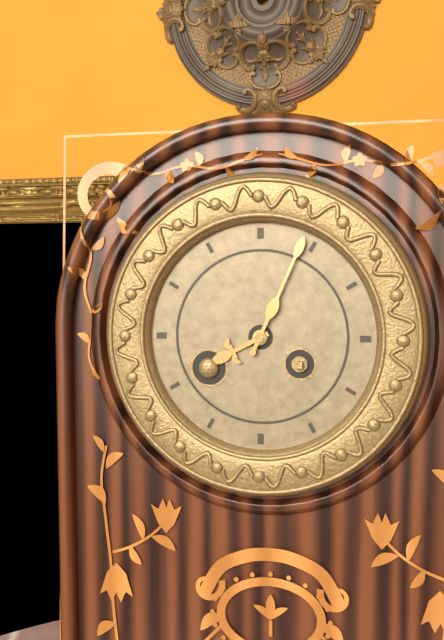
{"hour": 8, "minute": 4}
